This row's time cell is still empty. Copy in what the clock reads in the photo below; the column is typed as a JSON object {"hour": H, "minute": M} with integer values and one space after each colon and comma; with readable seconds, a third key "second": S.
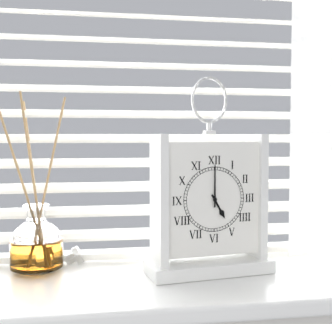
{"hour": 5, "minute": 0}
